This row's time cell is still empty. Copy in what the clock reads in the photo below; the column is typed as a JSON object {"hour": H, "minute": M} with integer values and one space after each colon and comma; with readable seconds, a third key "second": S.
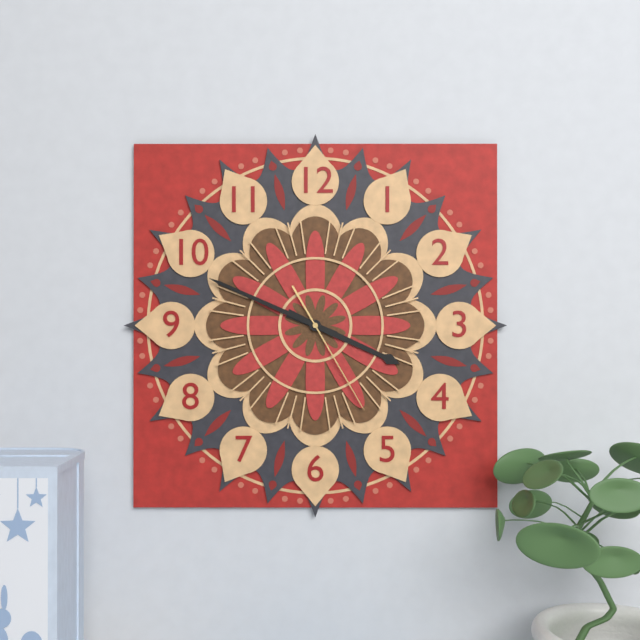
{"hour": 3, "minute": 49, "second": 25}
